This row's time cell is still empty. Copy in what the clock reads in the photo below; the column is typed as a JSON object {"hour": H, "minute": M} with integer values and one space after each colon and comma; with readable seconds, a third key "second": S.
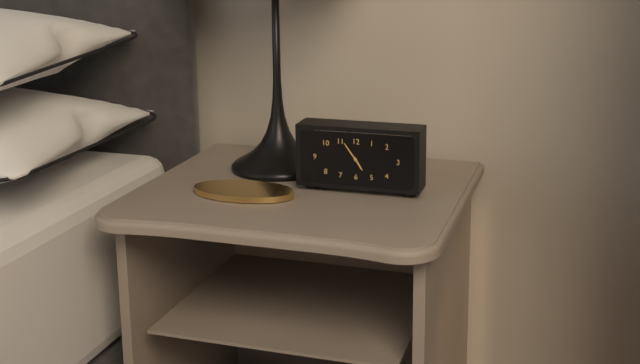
{"hour": 4, "minute": 54}
